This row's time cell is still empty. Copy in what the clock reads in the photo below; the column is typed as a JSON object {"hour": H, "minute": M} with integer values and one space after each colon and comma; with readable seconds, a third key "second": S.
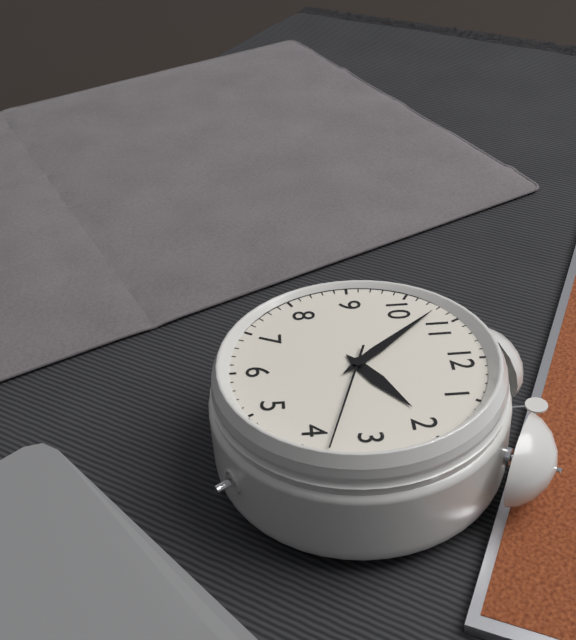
{"hour": 1, "minute": 53, "second": 18}
